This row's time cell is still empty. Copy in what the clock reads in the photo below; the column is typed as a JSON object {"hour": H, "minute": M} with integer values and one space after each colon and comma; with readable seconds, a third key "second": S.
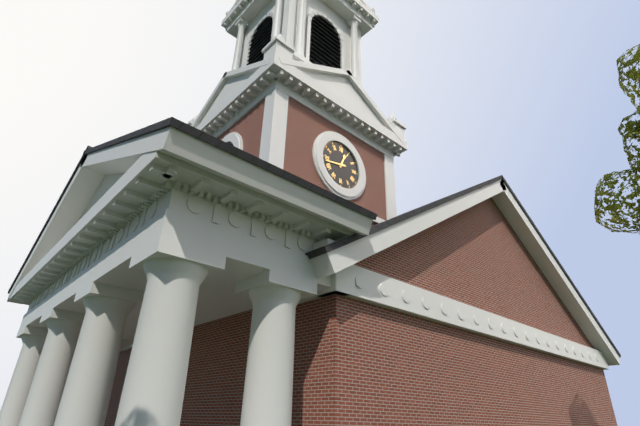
{"hour": 12, "minute": 43}
